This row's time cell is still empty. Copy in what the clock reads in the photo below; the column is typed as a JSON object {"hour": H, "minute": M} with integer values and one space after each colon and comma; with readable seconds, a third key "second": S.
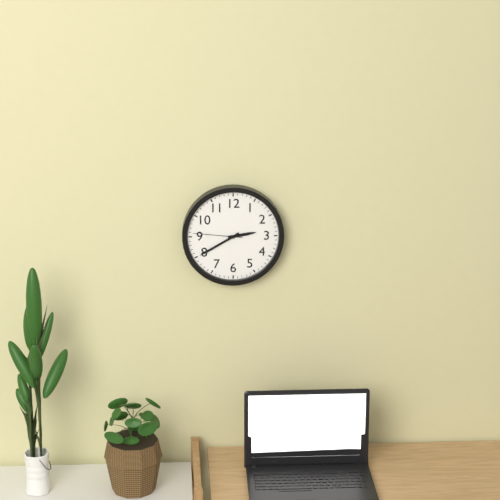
{"hour": 2, "minute": 40, "second": 46}
